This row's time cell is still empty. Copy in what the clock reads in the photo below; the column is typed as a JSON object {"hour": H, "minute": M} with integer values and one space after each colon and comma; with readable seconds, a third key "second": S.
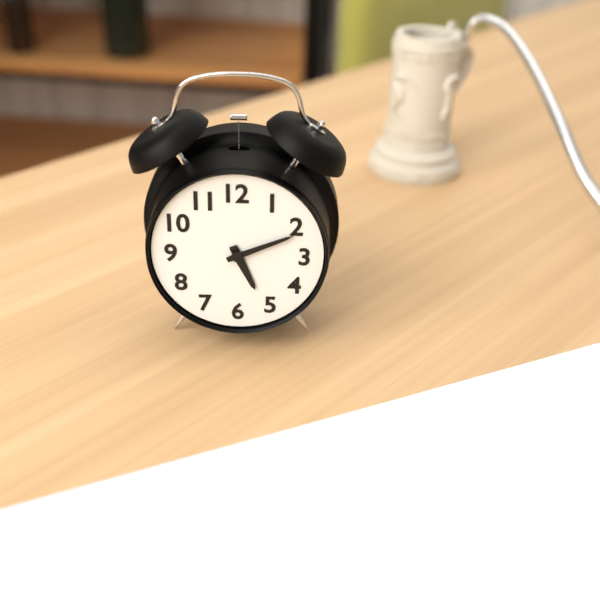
{"hour": 5, "minute": 11}
